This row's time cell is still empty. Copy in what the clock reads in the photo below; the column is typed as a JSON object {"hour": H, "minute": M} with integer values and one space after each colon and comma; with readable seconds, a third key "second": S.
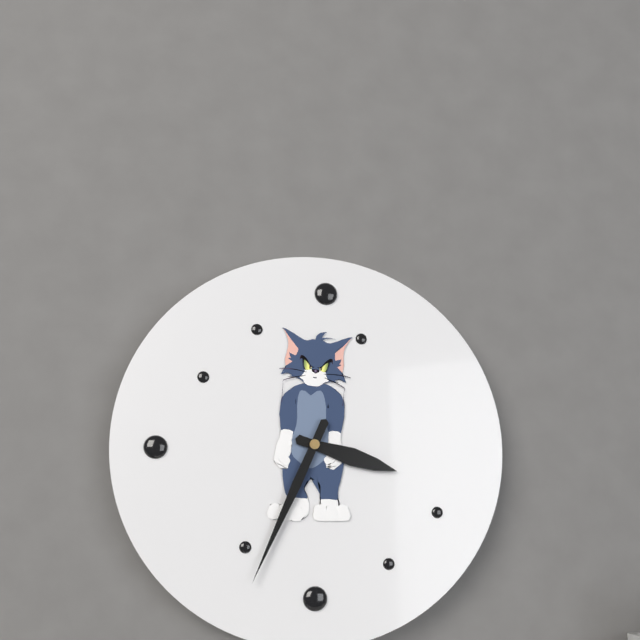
{"hour": 3, "minute": 34}
